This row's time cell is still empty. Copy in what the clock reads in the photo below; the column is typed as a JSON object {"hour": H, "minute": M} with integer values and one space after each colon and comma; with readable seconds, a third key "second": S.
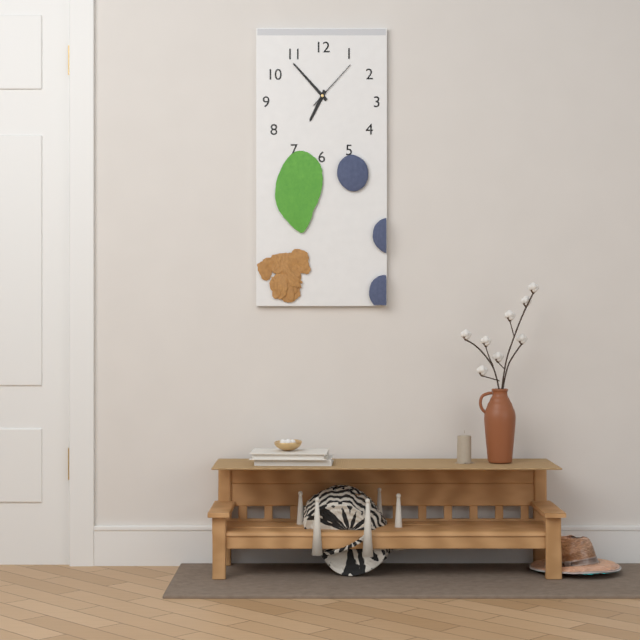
{"hour": 6, "minute": 53, "second": 7}
